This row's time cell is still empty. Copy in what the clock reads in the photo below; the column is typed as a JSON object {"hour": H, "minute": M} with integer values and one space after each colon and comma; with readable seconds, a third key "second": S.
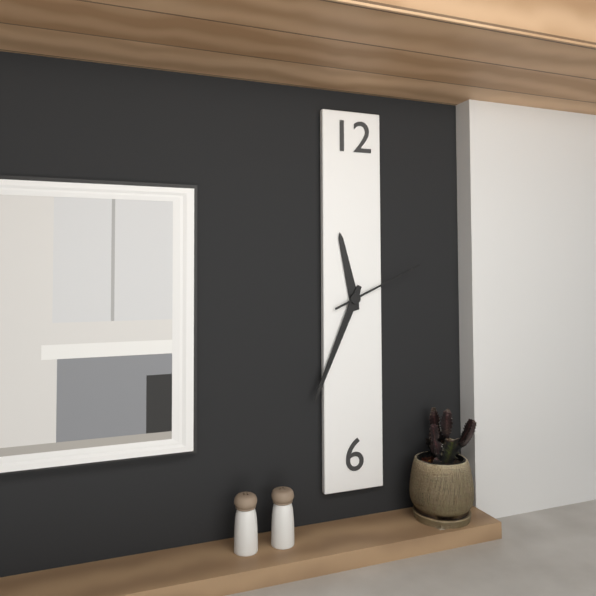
{"hour": 11, "minute": 34, "second": 11}
